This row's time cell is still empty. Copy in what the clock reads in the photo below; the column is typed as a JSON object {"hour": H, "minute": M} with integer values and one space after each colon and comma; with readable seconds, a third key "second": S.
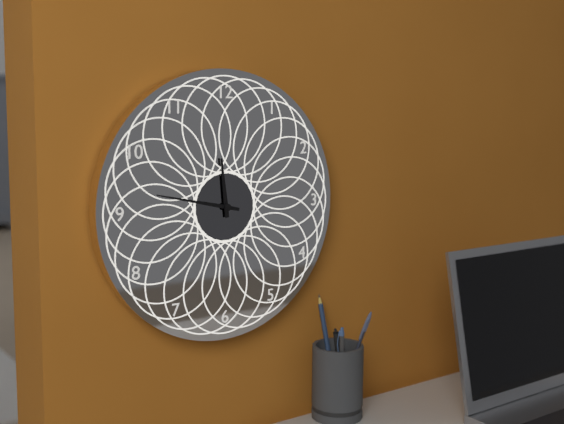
{"hour": 11, "minute": 47}
